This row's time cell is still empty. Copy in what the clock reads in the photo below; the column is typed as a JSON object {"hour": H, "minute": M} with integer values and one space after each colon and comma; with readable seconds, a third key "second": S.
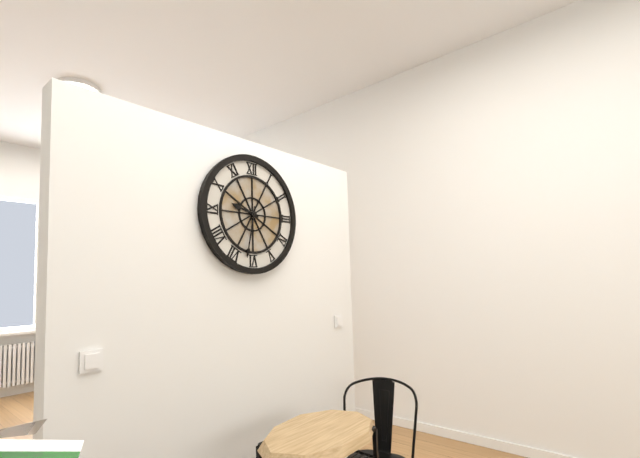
{"hour": 9, "minute": 32}
